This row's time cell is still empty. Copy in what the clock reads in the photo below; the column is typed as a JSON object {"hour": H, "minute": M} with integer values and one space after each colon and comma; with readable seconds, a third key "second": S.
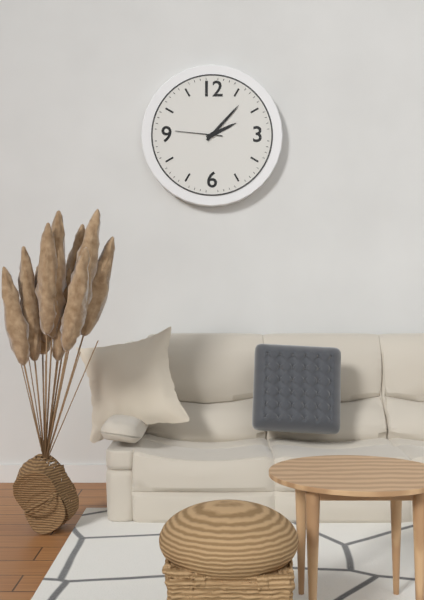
{"hour": 2, "minute": 7}
